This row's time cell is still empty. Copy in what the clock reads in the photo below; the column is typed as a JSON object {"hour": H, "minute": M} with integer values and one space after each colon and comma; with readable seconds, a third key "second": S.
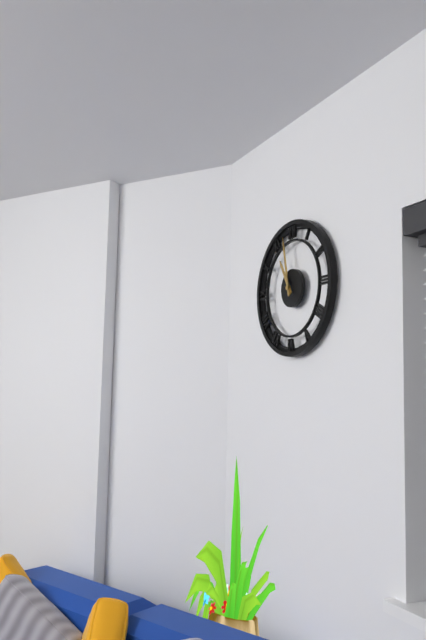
{"hour": 10, "minute": 58}
